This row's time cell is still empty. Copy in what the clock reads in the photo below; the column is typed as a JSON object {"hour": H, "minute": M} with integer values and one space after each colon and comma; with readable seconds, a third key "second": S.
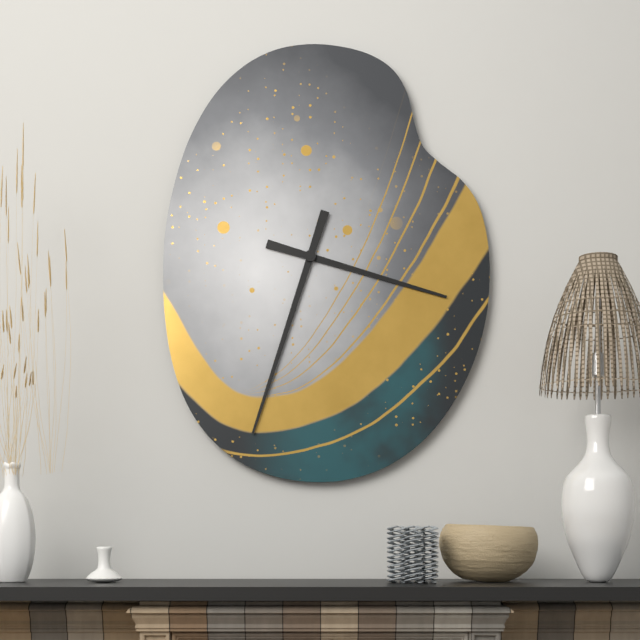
{"hour": 3, "minute": 33}
